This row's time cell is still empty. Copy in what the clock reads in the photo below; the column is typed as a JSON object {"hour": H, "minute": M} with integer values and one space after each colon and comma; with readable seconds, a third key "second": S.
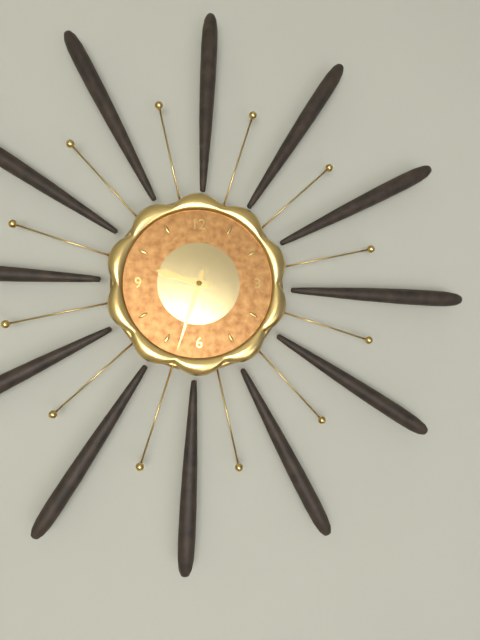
{"hour": 9, "minute": 33}
